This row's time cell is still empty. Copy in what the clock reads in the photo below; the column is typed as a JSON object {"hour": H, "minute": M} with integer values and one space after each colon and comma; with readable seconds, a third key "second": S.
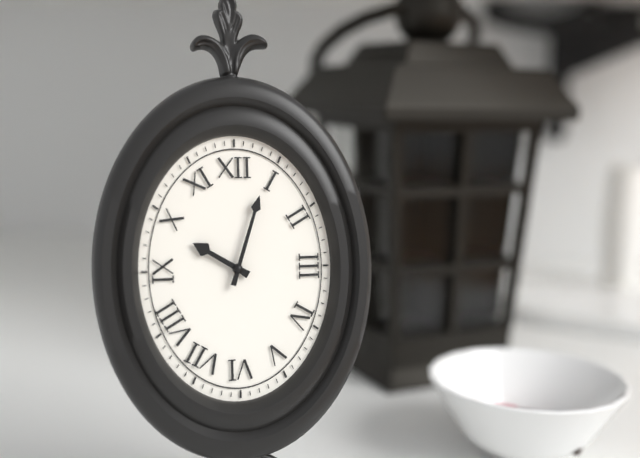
{"hour": 10, "minute": 3}
